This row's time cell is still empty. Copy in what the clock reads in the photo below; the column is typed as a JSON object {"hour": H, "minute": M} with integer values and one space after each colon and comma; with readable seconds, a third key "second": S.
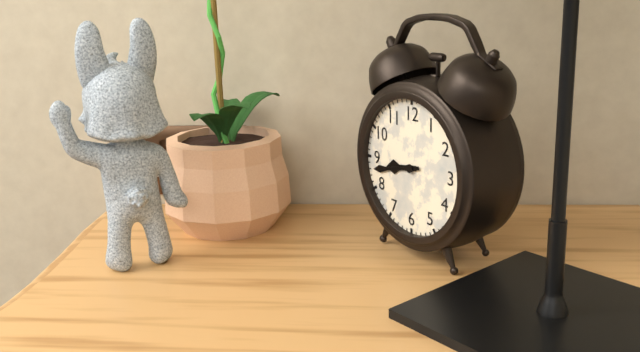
{"hour": 8, "minute": 43}
